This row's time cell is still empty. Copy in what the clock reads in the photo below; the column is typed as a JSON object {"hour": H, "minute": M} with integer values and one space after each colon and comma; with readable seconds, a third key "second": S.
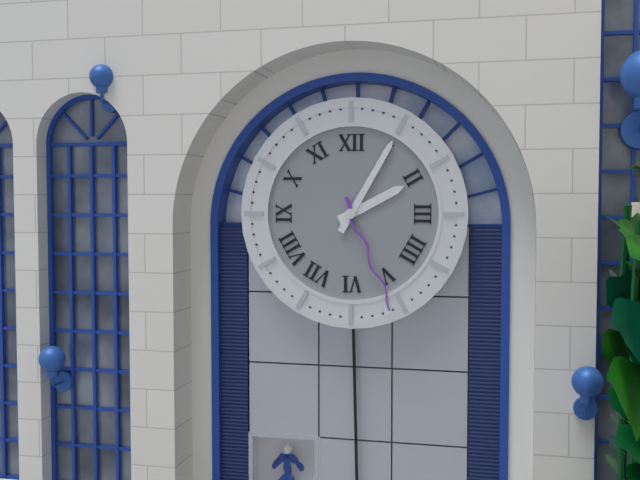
{"hour": 2, "minute": 5, "second": 26}
